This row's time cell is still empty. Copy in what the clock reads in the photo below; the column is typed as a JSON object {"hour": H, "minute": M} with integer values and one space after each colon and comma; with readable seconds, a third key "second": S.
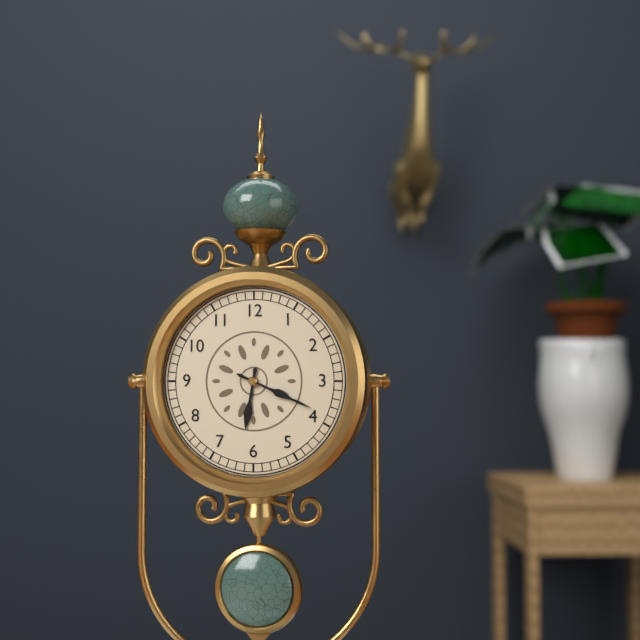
{"hour": 6, "minute": 19}
